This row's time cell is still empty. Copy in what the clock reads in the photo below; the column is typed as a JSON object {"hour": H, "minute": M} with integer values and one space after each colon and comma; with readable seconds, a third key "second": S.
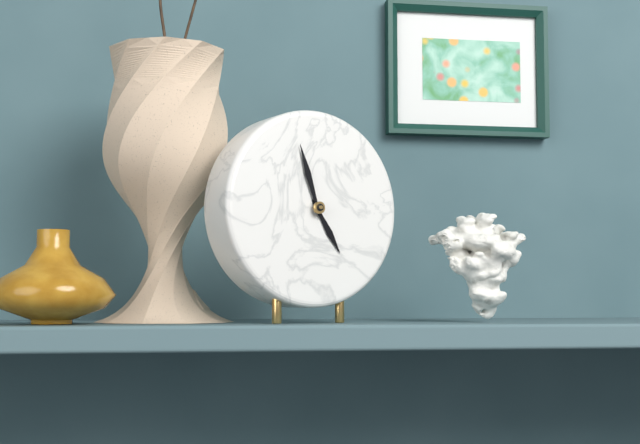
{"hour": 4, "minute": 57}
